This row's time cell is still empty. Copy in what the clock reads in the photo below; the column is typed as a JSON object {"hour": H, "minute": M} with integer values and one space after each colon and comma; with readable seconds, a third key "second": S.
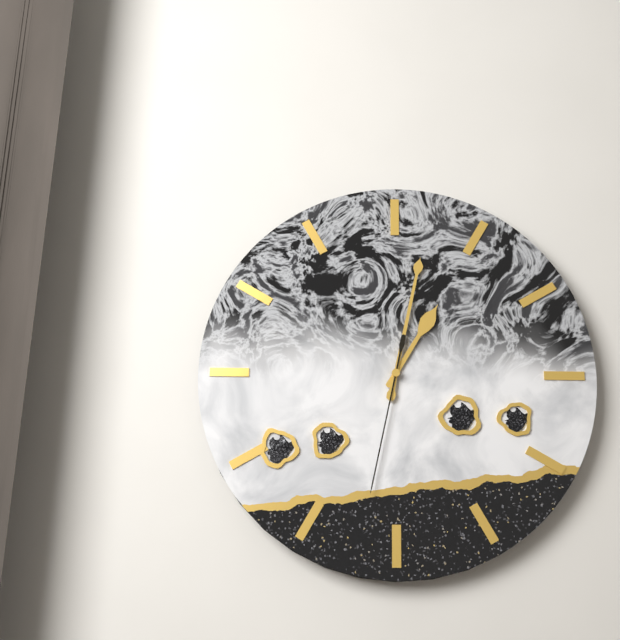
{"hour": 1, "minute": 2, "second": 32}
